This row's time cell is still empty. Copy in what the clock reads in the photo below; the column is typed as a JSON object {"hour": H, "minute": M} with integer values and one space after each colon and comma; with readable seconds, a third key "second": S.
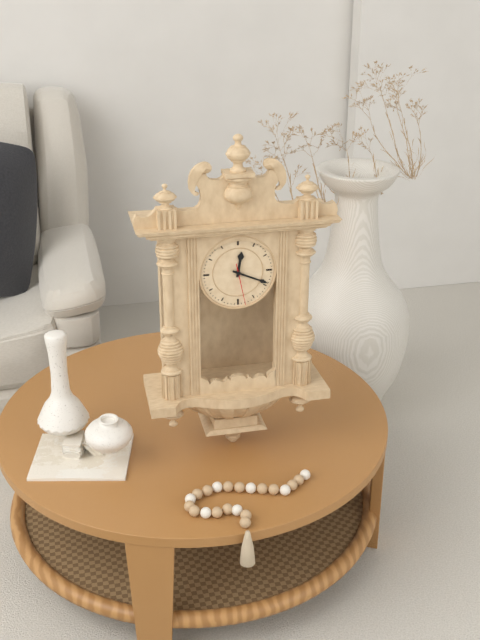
{"hour": 12, "minute": 19}
